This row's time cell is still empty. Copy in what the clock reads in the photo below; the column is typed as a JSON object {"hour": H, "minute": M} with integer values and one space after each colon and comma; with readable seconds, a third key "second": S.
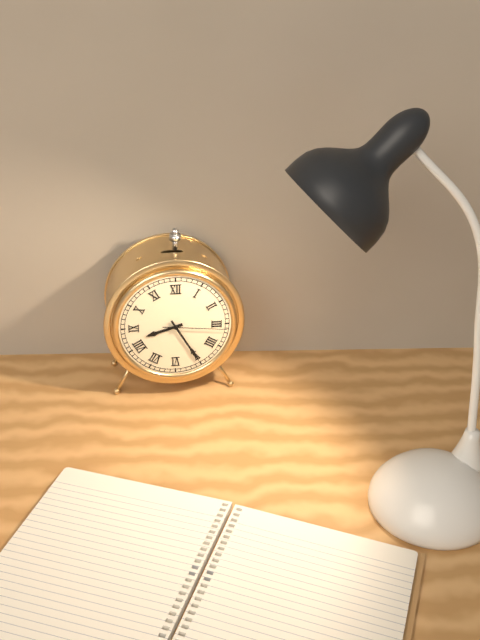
{"hour": 8, "minute": 25, "second": 16}
